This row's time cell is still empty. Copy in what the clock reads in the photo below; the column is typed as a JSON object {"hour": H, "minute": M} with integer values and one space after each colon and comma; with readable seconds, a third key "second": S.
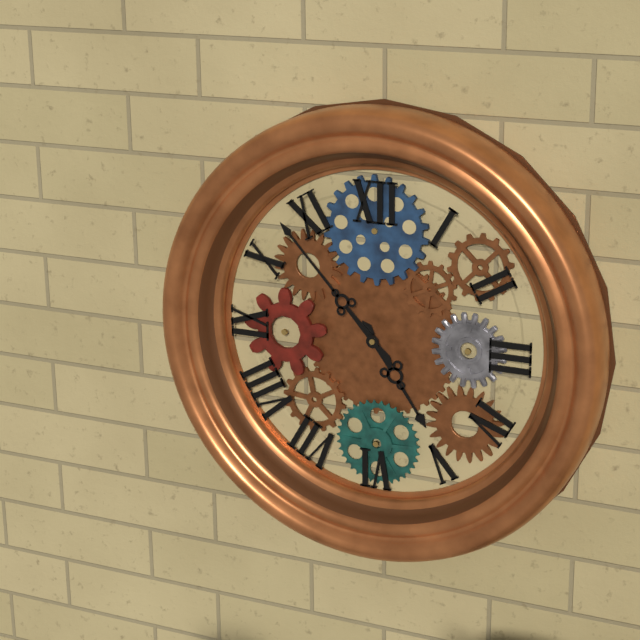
{"hour": 4, "minute": 53}
